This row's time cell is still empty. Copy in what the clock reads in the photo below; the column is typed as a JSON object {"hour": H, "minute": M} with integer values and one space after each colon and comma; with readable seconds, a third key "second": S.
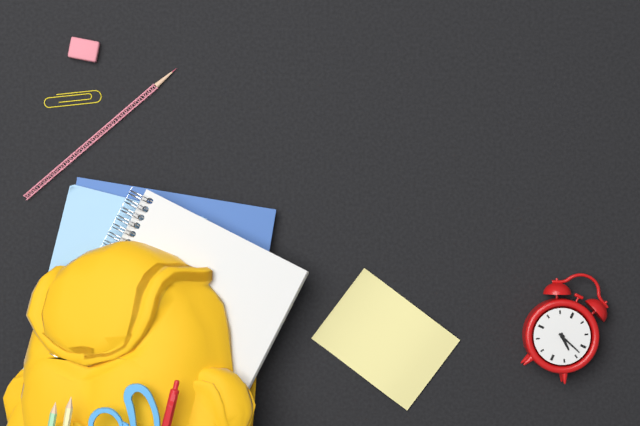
{"hour": 4, "minute": 18}
